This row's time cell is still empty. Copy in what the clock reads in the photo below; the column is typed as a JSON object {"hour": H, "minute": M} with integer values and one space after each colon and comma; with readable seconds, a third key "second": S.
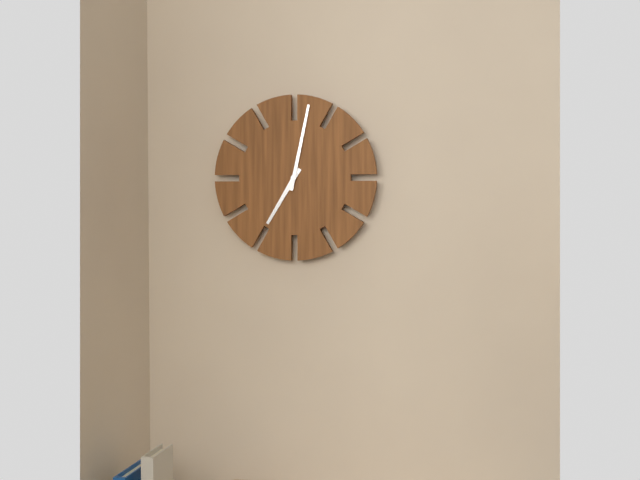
{"hour": 7, "minute": 2}
